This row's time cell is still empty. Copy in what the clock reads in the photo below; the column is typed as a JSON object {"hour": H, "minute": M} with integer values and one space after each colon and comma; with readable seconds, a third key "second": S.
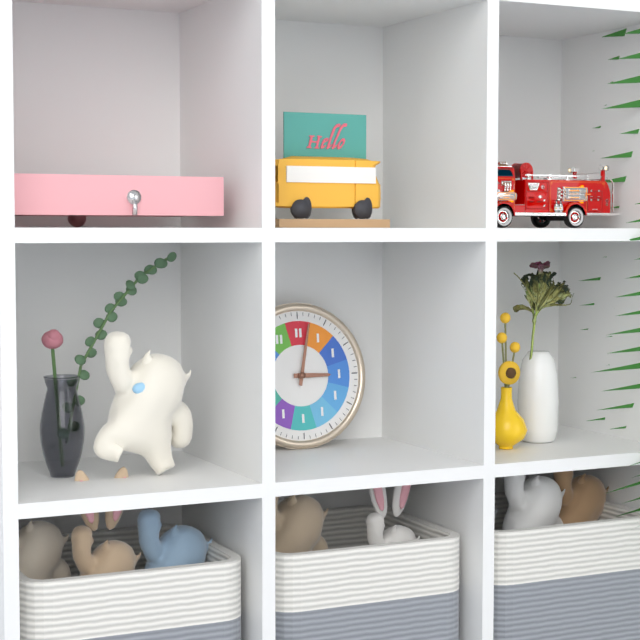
{"hour": 3, "minute": 2}
